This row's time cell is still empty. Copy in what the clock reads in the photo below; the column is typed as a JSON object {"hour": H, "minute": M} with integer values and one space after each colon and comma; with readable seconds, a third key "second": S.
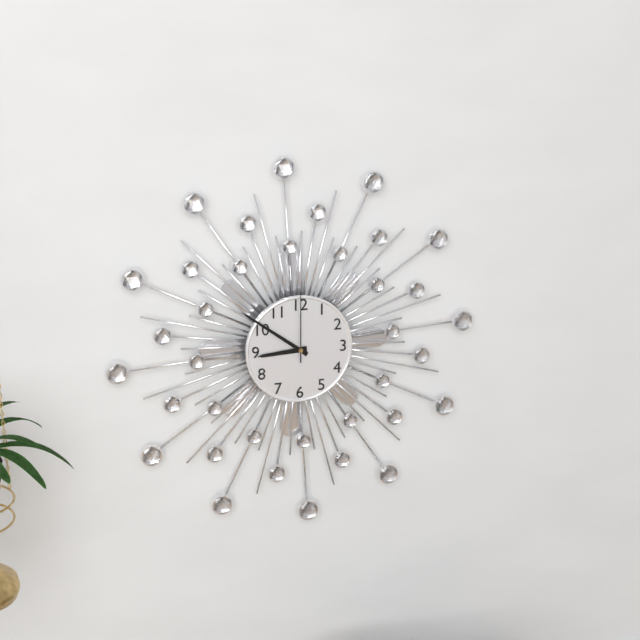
{"hour": 8, "minute": 51, "second": 0}
